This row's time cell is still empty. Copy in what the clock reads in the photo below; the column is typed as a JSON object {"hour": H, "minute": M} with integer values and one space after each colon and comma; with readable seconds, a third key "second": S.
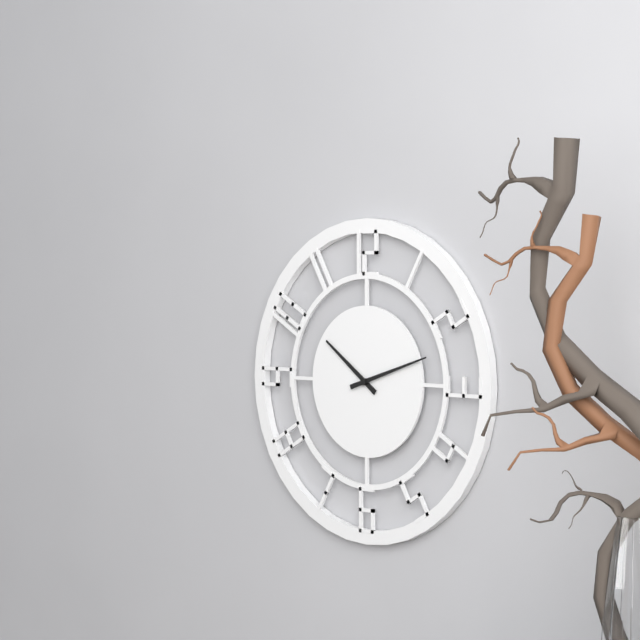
{"hour": 10, "minute": 12}
